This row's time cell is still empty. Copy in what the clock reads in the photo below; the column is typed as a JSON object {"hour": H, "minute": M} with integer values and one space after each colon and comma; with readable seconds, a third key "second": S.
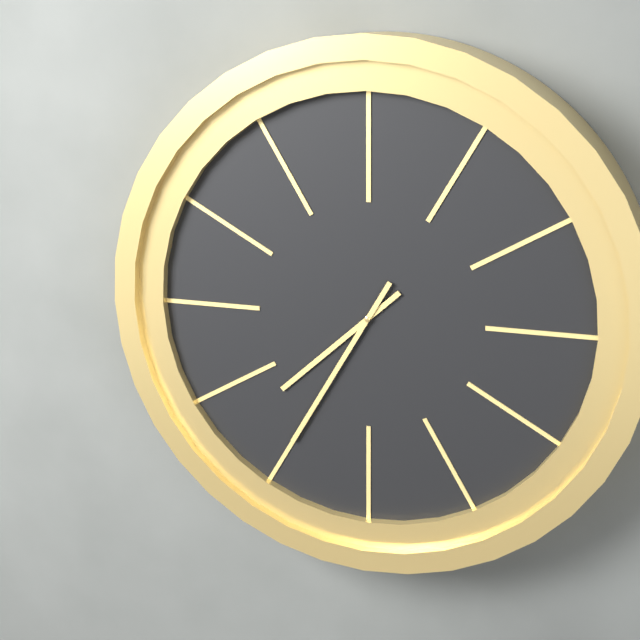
{"hour": 7, "minute": 35}
